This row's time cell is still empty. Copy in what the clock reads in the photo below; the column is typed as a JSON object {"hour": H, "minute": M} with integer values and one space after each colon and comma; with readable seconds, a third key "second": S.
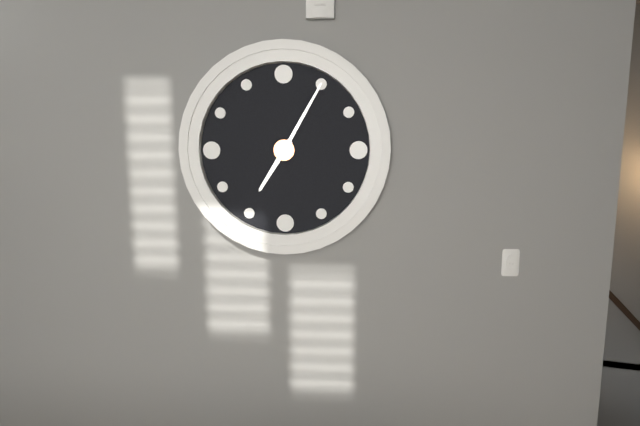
{"hour": 7, "minute": 5}
